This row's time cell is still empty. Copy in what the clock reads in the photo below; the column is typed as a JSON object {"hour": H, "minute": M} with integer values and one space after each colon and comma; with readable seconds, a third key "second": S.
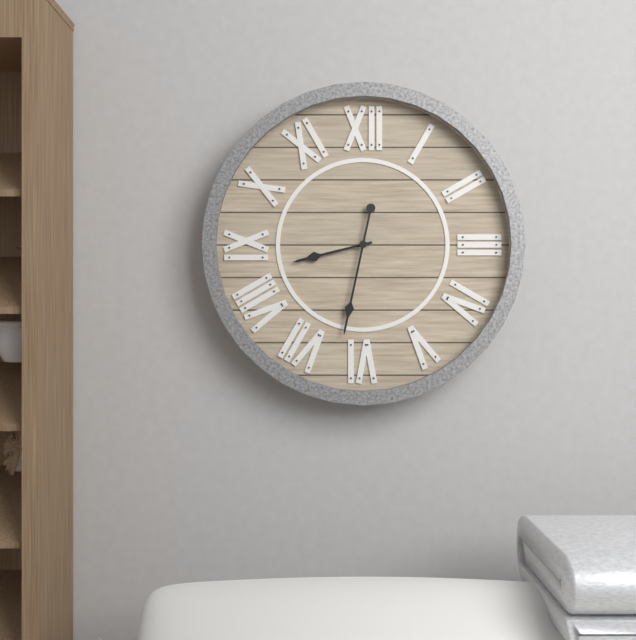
{"hour": 8, "minute": 32}
